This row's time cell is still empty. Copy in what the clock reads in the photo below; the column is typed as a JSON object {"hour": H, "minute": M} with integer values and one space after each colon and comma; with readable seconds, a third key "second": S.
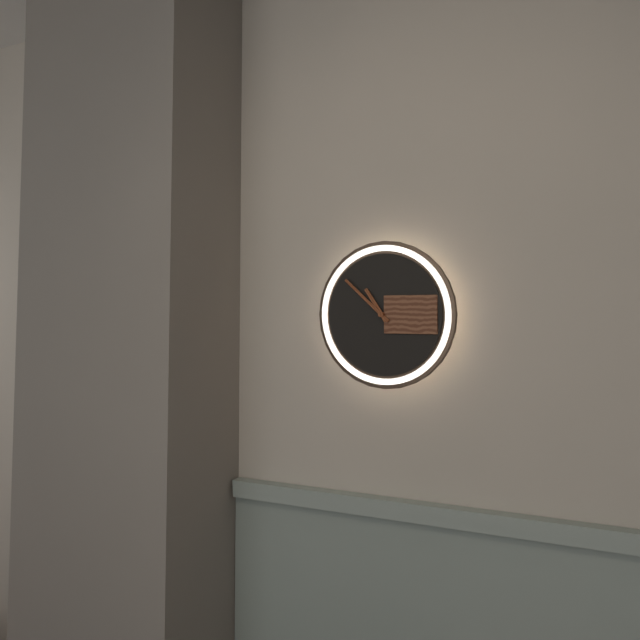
{"hour": 10, "minute": 52}
